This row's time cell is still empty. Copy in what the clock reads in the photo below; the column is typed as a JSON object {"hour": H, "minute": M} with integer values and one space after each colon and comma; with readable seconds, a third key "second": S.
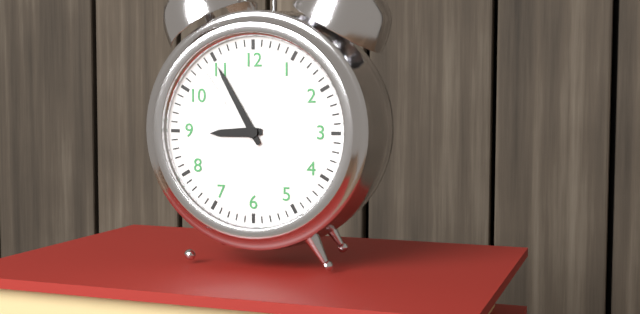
{"hour": 8, "minute": 55}
